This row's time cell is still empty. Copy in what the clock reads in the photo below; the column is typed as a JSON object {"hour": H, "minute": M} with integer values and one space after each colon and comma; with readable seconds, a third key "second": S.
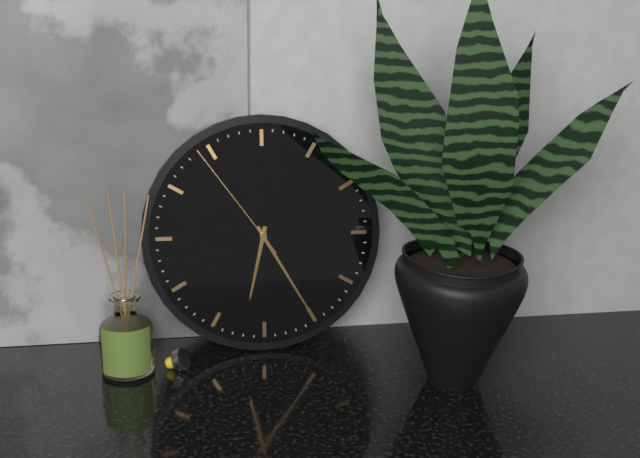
{"hour": 6, "minute": 25, "second": 54}
